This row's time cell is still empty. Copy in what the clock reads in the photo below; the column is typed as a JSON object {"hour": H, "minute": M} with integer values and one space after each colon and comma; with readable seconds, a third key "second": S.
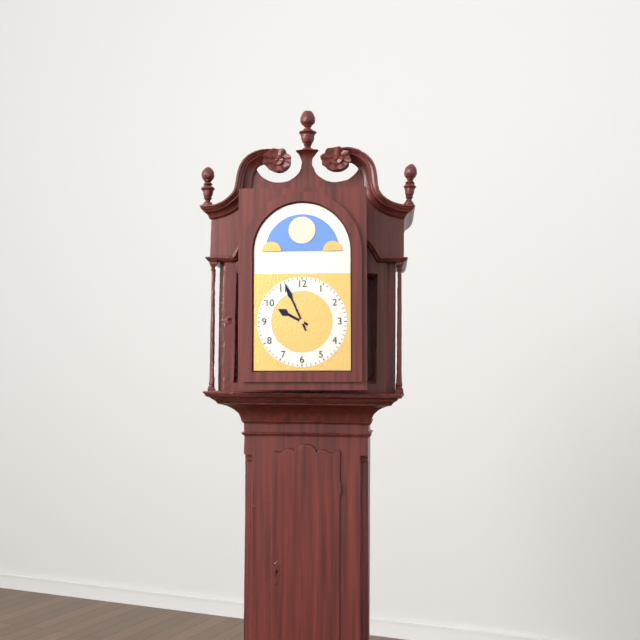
{"hour": 9, "minute": 56}
